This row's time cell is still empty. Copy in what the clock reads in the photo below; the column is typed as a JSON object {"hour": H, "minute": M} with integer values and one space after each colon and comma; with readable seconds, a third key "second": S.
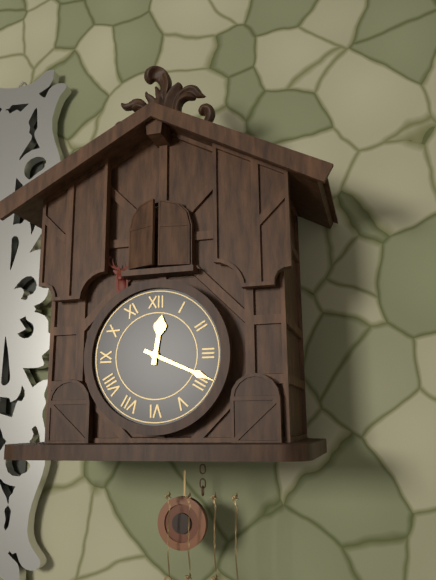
{"hour": 12, "minute": 19}
